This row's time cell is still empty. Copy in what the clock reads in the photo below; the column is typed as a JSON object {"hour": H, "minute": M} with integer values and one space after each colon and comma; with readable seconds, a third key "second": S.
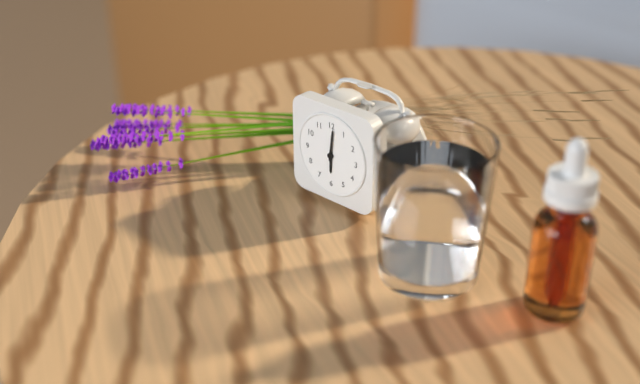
{"hour": 6, "minute": 1}
